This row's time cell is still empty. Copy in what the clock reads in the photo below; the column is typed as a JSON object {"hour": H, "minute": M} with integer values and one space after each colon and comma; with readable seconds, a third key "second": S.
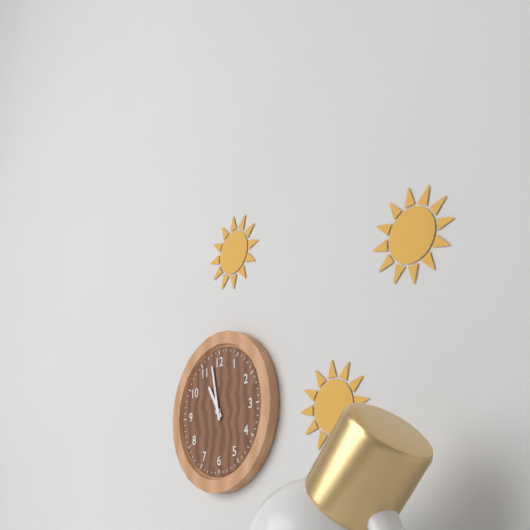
{"hour": 10, "minute": 58}
